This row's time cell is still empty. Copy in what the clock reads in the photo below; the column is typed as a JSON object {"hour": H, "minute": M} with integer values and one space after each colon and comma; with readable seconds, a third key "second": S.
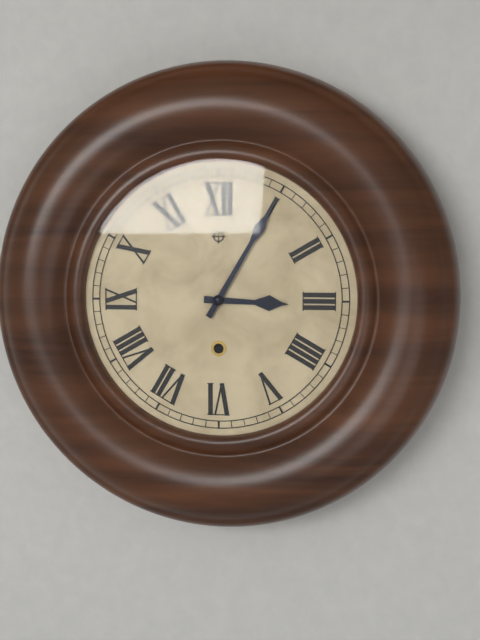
{"hour": 3, "minute": 5}
